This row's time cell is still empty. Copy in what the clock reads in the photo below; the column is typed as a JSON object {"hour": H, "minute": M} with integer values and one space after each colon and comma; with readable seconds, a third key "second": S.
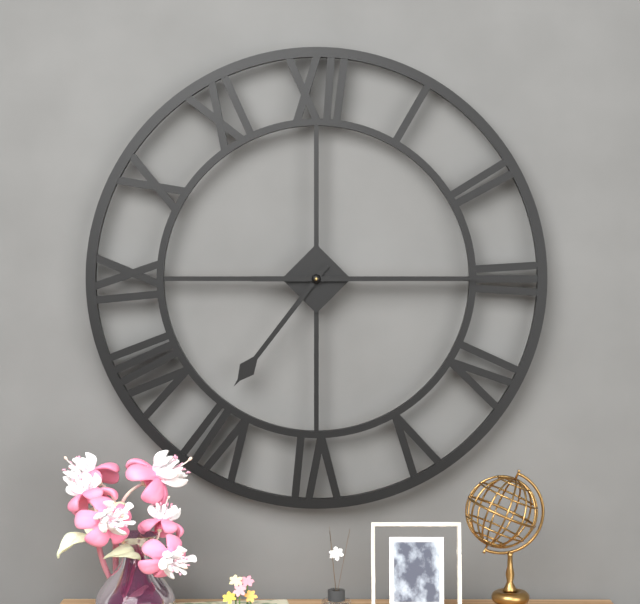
{"hour": 7, "minute": 15}
